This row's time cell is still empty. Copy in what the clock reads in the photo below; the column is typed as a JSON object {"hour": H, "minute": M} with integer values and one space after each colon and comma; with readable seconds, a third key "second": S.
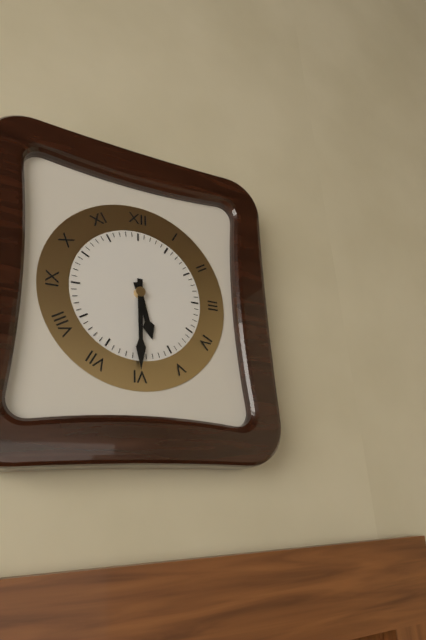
{"hour": 5, "minute": 30}
